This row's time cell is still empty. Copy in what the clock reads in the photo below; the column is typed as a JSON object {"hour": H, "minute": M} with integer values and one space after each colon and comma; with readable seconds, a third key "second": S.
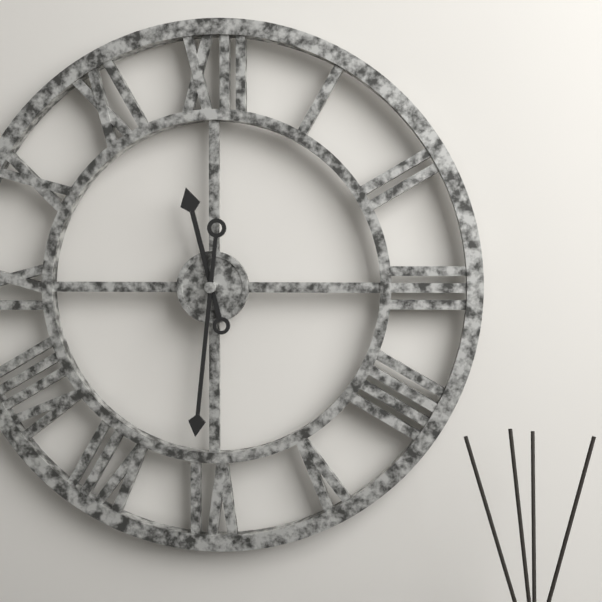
{"hour": 11, "minute": 31}
